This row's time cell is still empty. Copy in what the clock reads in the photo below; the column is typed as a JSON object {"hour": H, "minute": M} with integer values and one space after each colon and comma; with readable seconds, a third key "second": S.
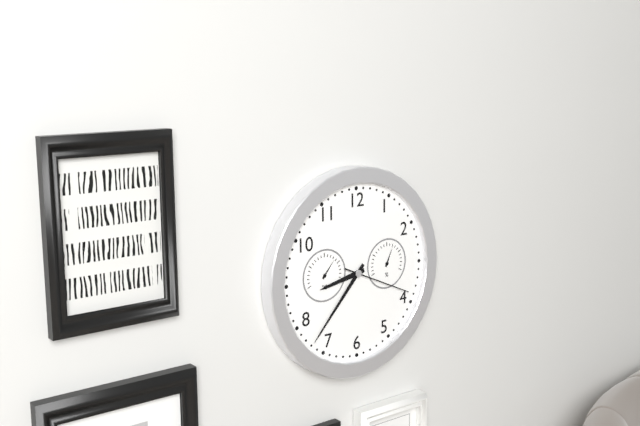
{"hour": 8, "minute": 37, "second": 19}
